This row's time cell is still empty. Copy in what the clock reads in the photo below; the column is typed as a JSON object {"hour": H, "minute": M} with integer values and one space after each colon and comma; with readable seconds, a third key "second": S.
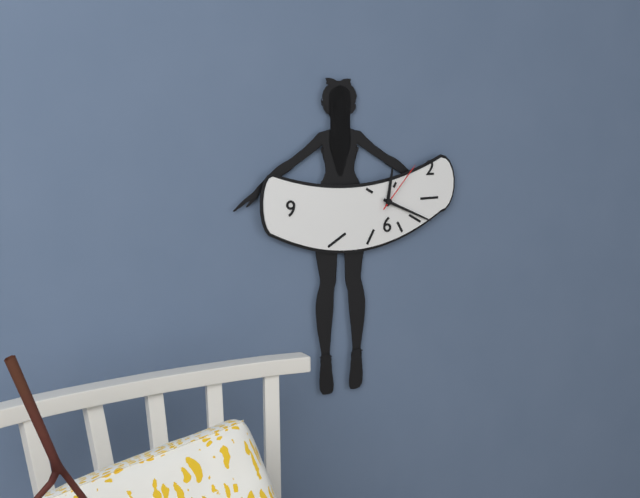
{"hour": 12, "minute": 19, "second": 7}
